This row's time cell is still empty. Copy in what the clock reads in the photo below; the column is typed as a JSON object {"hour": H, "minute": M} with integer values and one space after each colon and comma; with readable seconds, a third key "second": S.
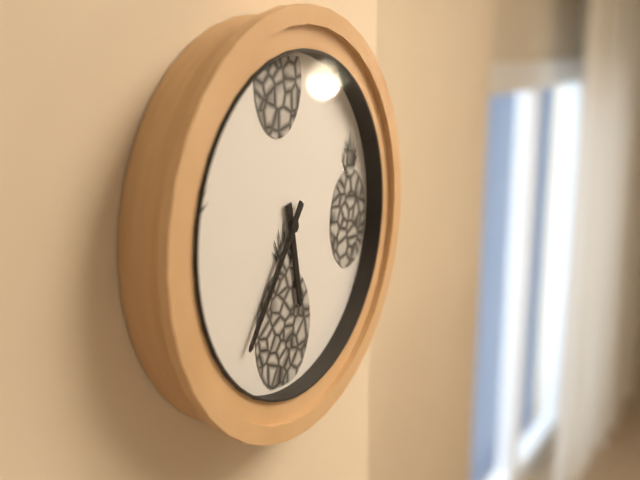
{"hour": 5, "minute": 36}
